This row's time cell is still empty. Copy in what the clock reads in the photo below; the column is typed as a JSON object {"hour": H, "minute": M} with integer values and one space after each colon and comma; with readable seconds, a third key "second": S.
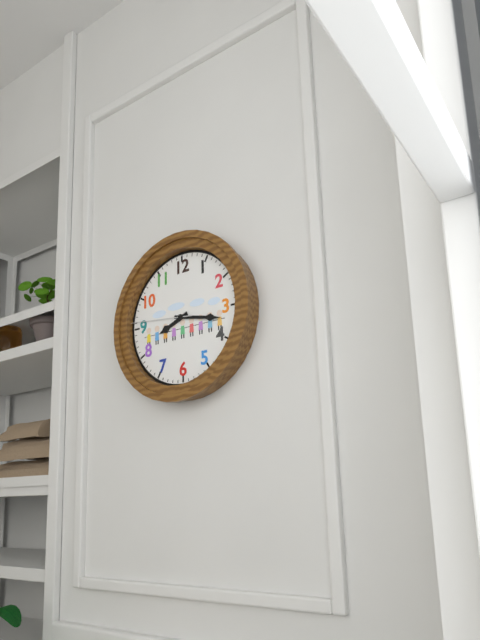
{"hour": 8, "minute": 17, "second": 46}
